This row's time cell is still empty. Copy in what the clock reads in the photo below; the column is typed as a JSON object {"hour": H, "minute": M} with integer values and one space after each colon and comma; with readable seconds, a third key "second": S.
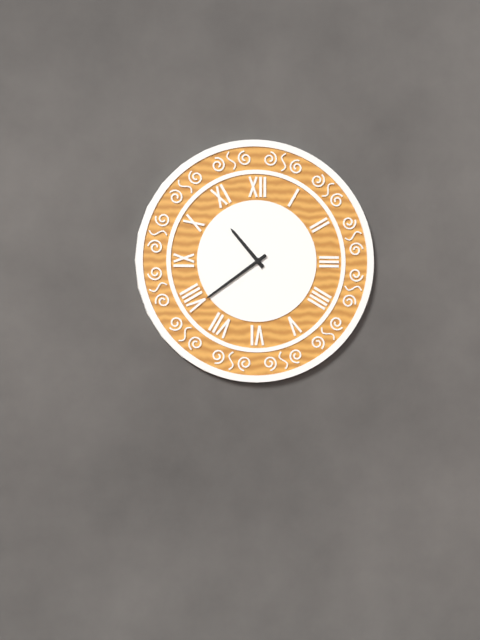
{"hour": 10, "minute": 39}
